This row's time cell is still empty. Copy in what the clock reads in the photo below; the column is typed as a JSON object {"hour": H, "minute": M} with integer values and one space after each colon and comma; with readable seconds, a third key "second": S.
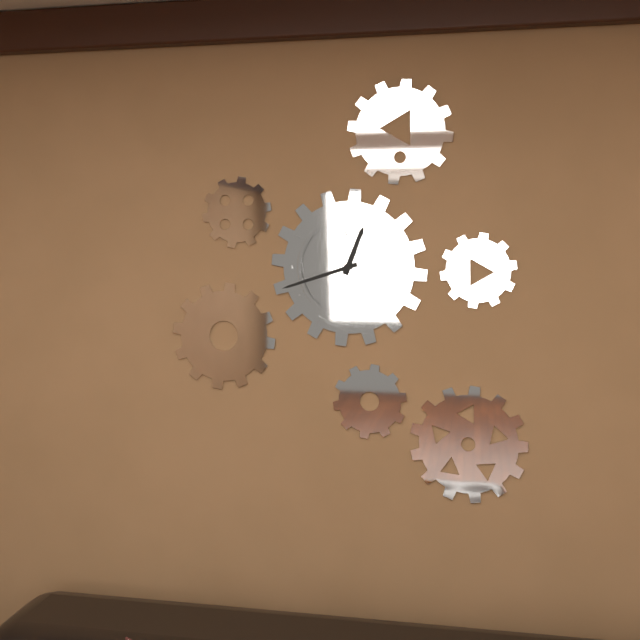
{"hour": 12, "minute": 42}
